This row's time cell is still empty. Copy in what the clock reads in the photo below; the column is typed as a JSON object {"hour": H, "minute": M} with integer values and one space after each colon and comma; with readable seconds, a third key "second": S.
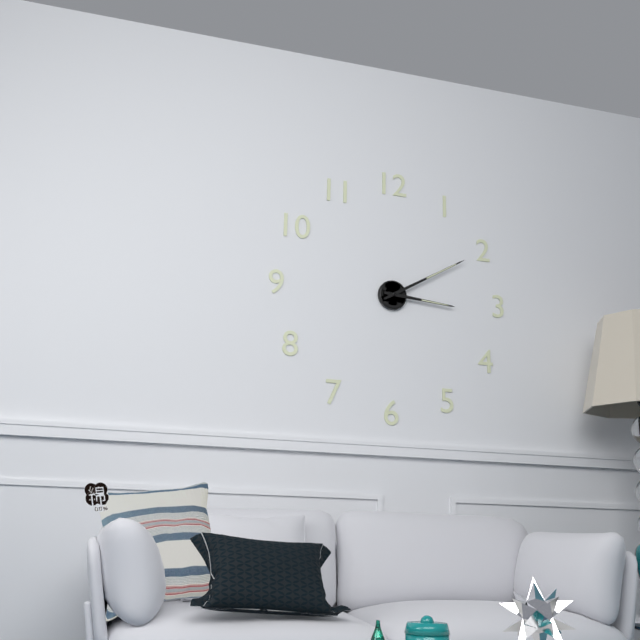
{"hour": 3, "minute": 10}
